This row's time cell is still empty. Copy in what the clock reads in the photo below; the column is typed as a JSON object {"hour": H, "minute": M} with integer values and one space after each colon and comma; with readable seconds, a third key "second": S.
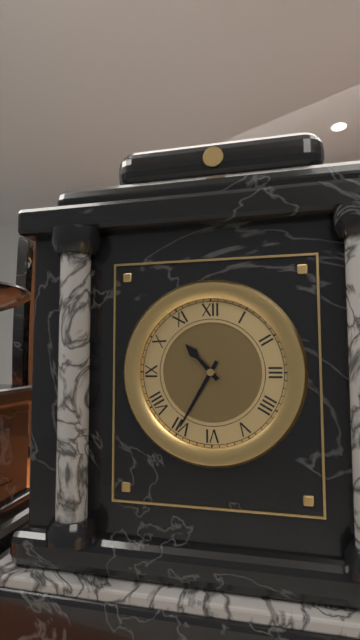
{"hour": 10, "minute": 35}
